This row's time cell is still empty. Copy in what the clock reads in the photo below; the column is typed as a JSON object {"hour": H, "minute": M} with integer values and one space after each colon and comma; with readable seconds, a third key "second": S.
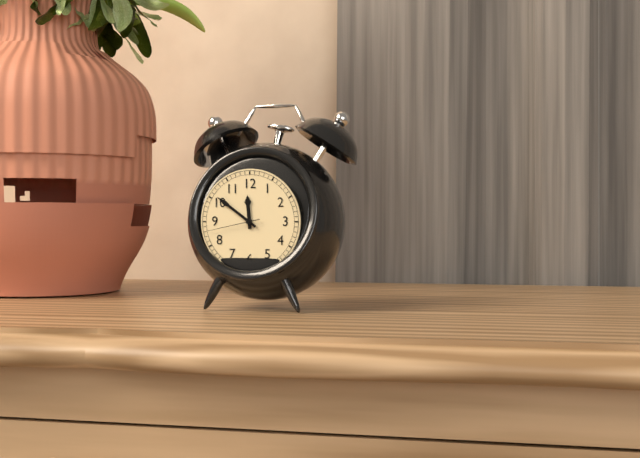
{"hour": 11, "minute": 51, "second": 43}
